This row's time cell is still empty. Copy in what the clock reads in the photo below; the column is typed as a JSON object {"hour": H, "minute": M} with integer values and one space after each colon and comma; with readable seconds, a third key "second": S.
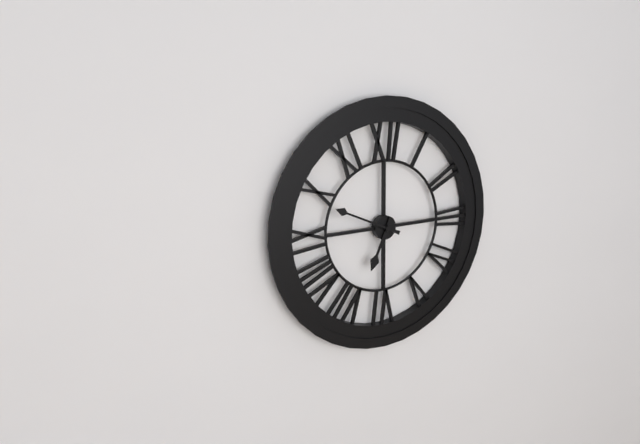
{"hour": 6, "minute": 49}
